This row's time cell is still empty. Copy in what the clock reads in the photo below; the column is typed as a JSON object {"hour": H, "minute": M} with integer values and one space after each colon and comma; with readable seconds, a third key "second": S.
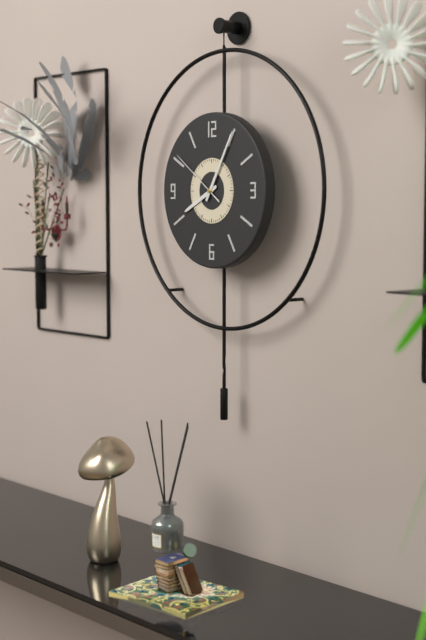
{"hour": 8, "minute": 5, "second": 51}
